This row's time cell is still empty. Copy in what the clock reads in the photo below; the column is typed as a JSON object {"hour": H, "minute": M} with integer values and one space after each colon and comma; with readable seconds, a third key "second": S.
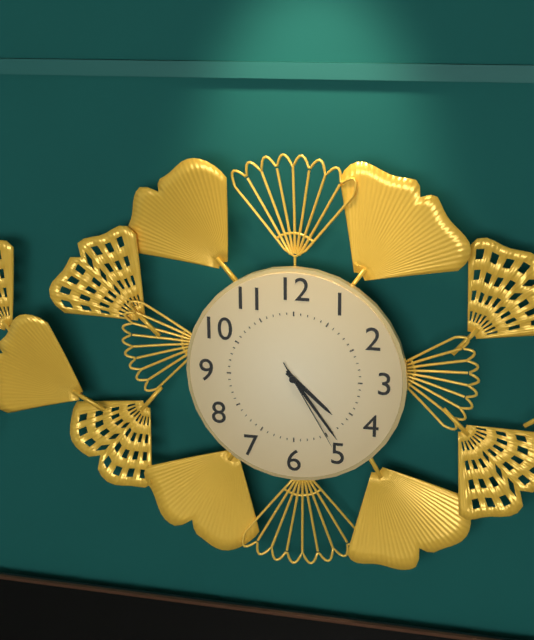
{"hour": 4, "minute": 24, "second": 25}
